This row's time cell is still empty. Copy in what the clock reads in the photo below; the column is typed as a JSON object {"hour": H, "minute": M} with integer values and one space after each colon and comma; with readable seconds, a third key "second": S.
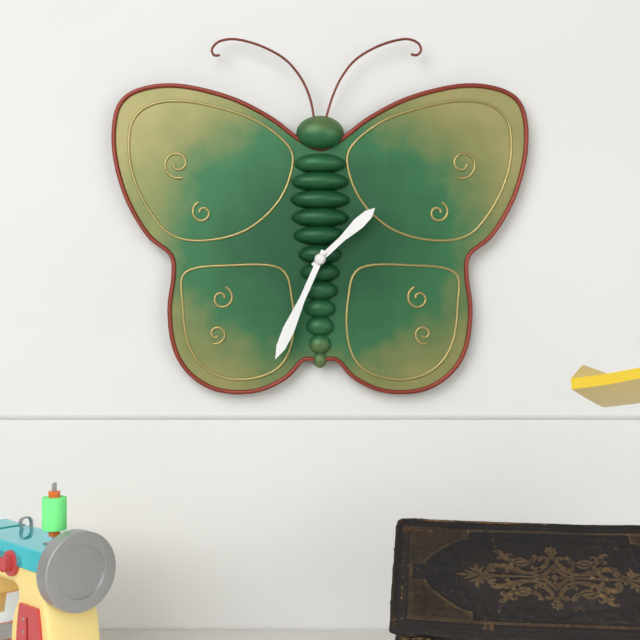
{"hour": 1, "minute": 34}
